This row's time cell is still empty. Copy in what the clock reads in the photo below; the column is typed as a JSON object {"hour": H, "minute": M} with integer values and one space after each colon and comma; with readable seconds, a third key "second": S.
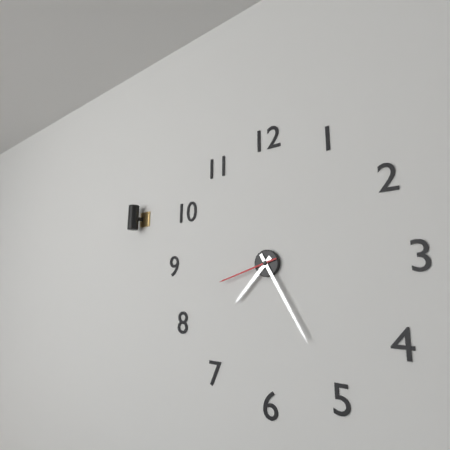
{"hour": 7, "minute": 25, "second": 42}
